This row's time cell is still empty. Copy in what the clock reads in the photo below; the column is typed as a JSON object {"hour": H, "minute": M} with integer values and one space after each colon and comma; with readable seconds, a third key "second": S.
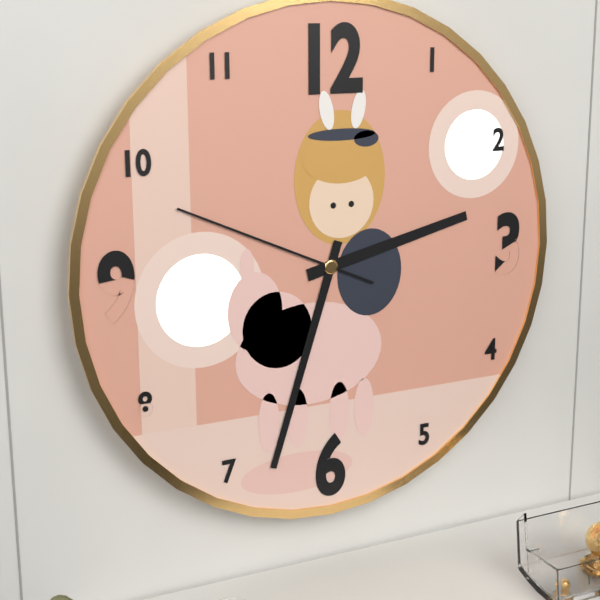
{"hour": 2, "minute": 33, "second": 49}
